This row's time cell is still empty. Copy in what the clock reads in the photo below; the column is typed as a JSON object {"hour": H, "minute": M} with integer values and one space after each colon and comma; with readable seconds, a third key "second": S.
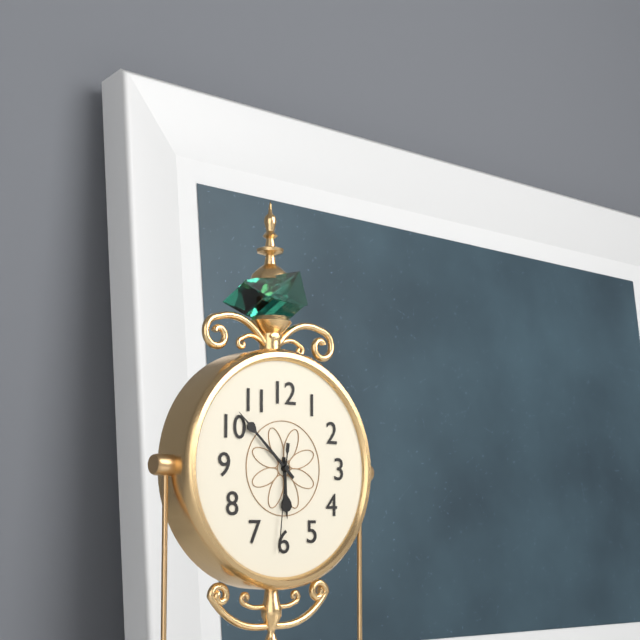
{"hour": 5, "minute": 52, "second": 31}
